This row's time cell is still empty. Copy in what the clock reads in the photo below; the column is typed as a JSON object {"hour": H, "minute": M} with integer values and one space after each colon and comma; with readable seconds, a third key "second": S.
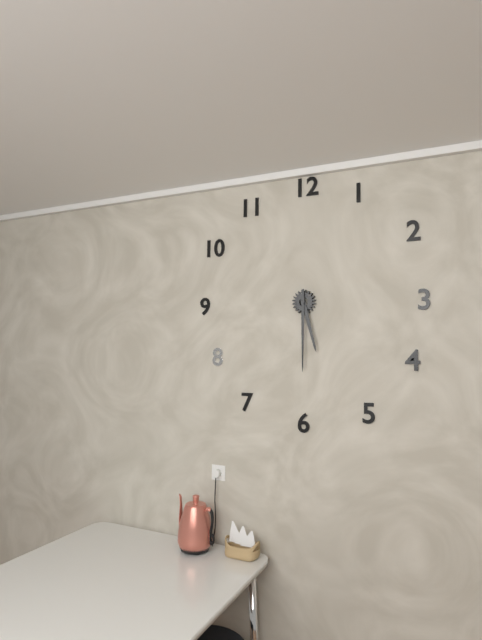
{"hour": 5, "minute": 30}
